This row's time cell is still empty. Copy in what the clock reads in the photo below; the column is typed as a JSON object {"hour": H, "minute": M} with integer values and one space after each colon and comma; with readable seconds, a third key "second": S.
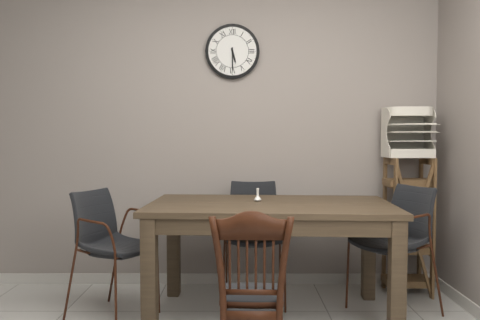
{"hour": 5, "minute": 30}
